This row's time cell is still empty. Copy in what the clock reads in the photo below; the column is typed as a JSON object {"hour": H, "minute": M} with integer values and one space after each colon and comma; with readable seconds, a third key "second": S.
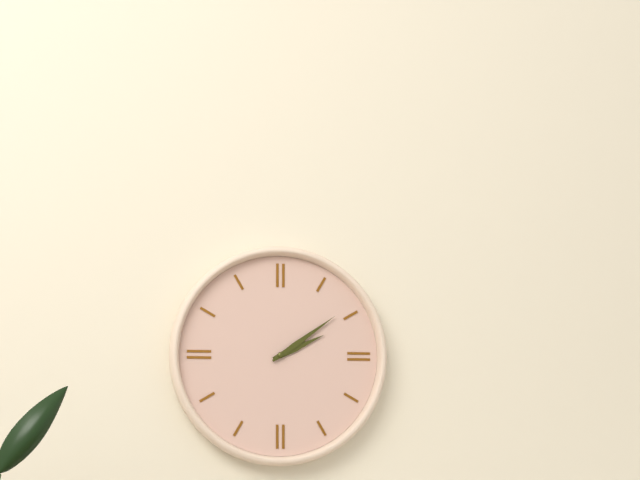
{"hour": 2, "minute": 9}
